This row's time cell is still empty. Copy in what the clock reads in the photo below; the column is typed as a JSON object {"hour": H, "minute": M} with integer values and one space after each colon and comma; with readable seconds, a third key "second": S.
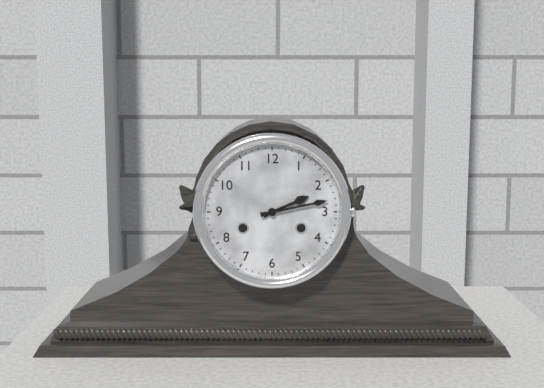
{"hour": 2, "minute": 13}
